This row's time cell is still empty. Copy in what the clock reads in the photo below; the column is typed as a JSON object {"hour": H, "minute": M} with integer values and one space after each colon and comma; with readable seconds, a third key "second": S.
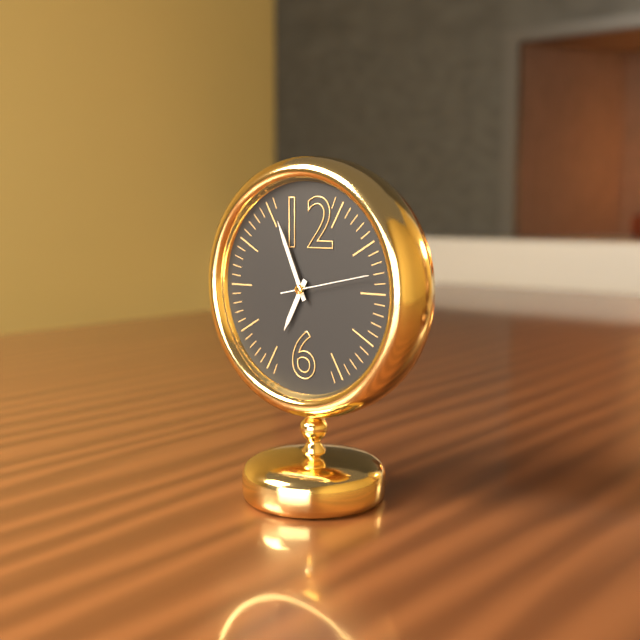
{"hour": 6, "minute": 56, "second": 13}
